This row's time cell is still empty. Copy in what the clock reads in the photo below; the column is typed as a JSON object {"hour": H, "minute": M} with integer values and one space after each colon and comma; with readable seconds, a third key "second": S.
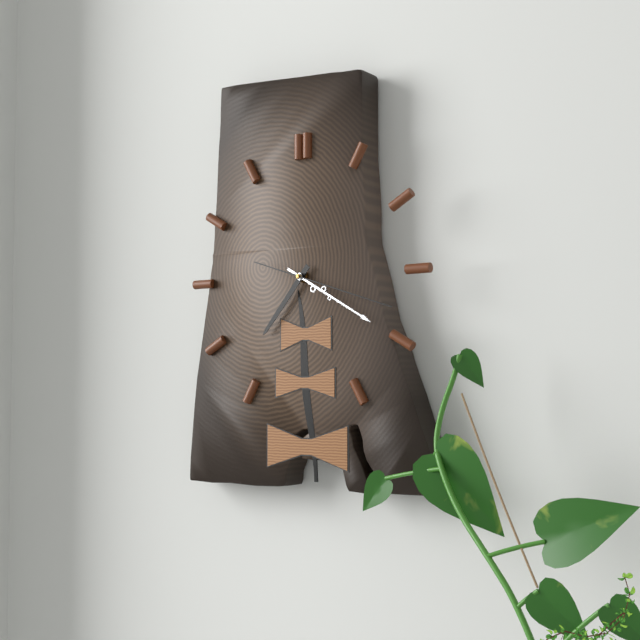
{"hour": 7, "minute": 20, "second": 18}
